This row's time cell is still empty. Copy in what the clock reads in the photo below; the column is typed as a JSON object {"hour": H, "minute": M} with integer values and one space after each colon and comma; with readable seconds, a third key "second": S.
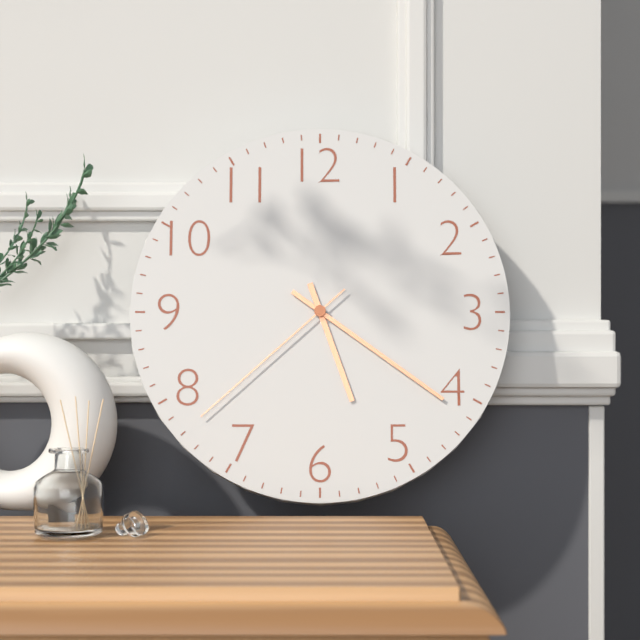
{"hour": 5, "minute": 21, "second": 38}
